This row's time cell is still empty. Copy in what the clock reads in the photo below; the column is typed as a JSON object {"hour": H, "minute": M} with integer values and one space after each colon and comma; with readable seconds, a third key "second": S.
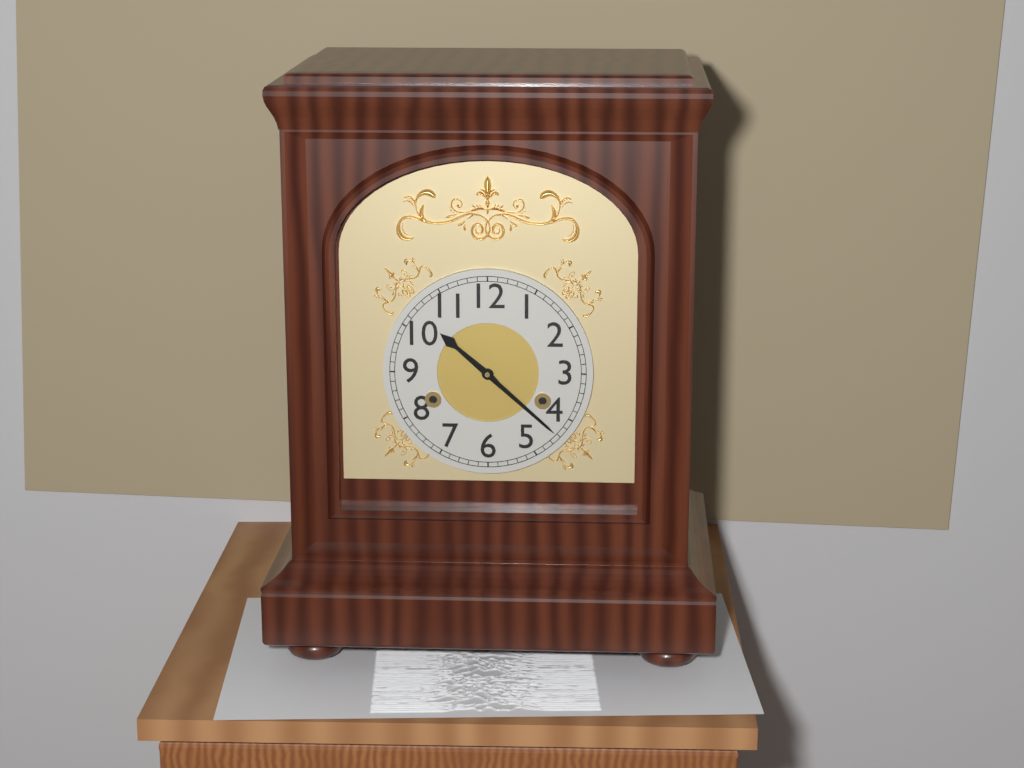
{"hour": 10, "minute": 22}
